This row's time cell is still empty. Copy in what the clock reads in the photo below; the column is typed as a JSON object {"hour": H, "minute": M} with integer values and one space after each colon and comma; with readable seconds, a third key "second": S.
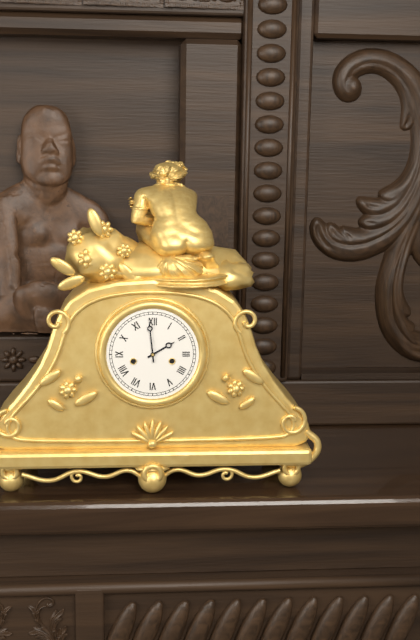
{"hour": 1, "minute": 59}
